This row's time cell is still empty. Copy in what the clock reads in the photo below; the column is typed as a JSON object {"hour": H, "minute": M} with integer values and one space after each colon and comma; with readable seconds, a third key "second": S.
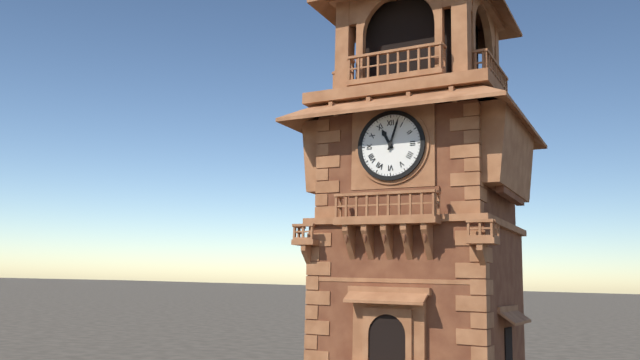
{"hour": 11, "minute": 3}
